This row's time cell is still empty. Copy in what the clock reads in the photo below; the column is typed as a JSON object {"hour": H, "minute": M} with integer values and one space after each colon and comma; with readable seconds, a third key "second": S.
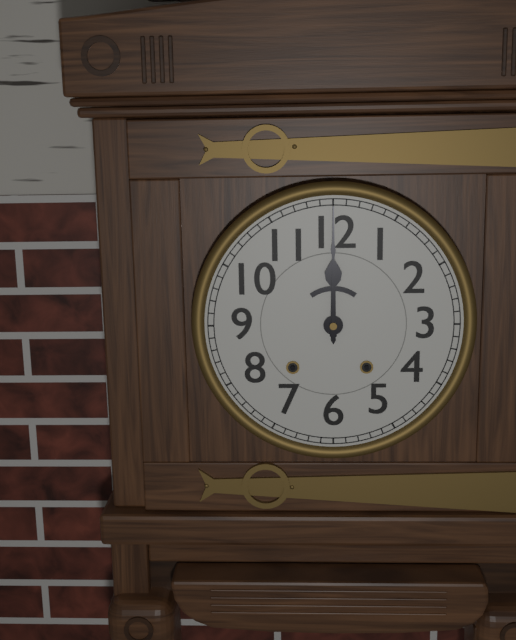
{"hour": 12, "minute": 0}
